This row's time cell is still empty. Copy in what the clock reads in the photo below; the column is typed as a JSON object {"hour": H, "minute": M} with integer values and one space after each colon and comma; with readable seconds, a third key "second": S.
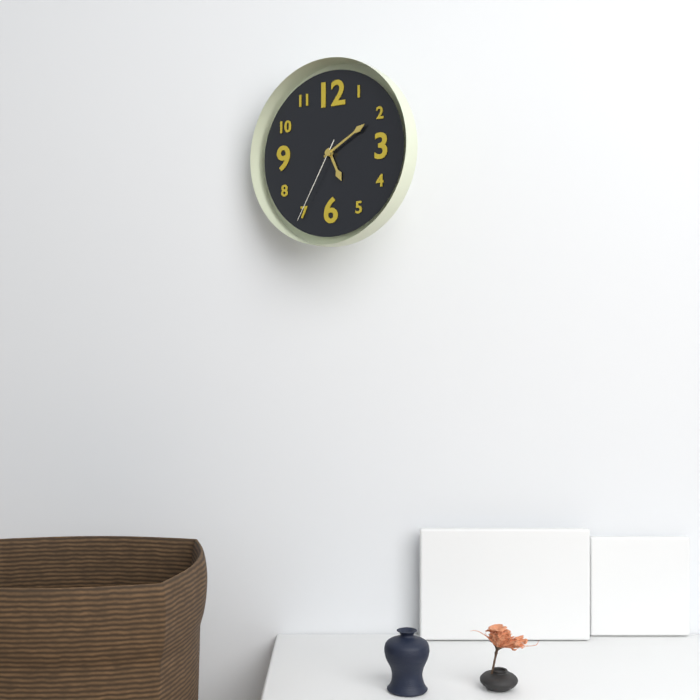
{"hour": 5, "minute": 10, "second": 35}
